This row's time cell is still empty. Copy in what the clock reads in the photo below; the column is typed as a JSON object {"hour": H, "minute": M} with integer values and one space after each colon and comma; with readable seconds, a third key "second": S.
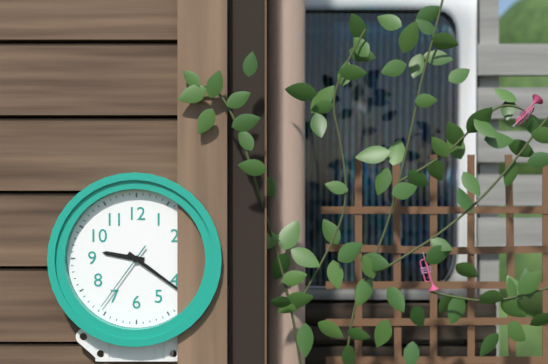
{"hour": 9, "minute": 21, "second": 36}
